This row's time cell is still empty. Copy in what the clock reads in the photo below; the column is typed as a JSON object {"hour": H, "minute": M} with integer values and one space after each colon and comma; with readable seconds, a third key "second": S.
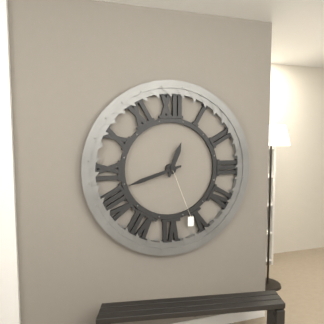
{"hour": 12, "minute": 42}
